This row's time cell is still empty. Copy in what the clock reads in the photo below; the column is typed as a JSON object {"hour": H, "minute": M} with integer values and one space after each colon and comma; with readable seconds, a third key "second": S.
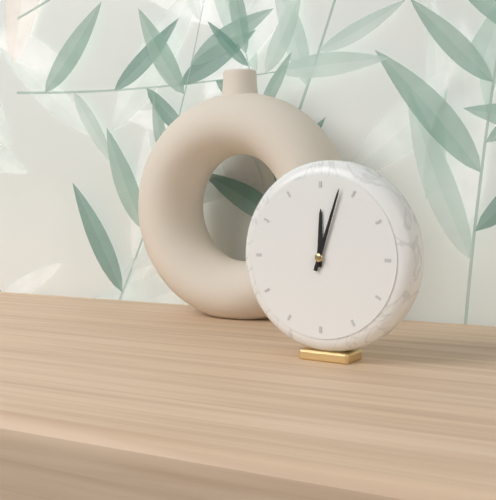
{"hour": 12, "minute": 3}
